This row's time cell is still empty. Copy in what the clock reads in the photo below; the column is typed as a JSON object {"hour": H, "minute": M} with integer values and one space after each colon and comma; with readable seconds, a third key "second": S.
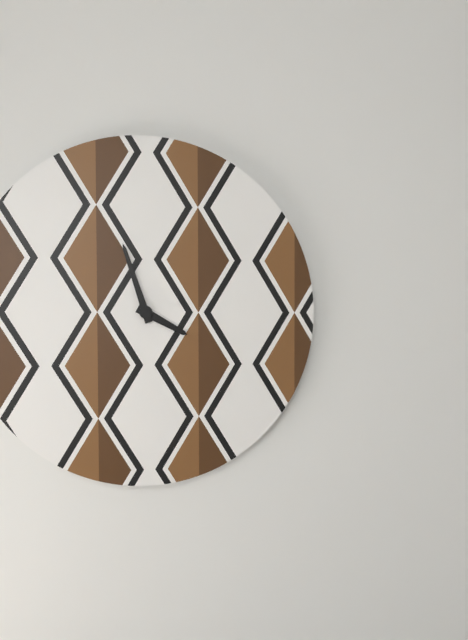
{"hour": 3, "minute": 57}
